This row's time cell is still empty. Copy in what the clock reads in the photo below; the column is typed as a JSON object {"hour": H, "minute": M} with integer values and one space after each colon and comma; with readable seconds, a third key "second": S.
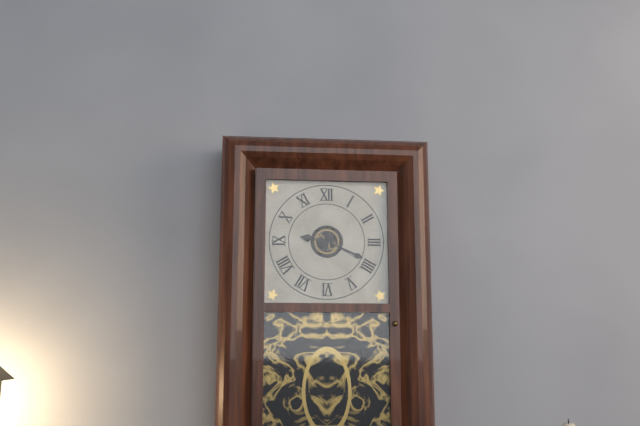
{"hour": 9, "minute": 19}
